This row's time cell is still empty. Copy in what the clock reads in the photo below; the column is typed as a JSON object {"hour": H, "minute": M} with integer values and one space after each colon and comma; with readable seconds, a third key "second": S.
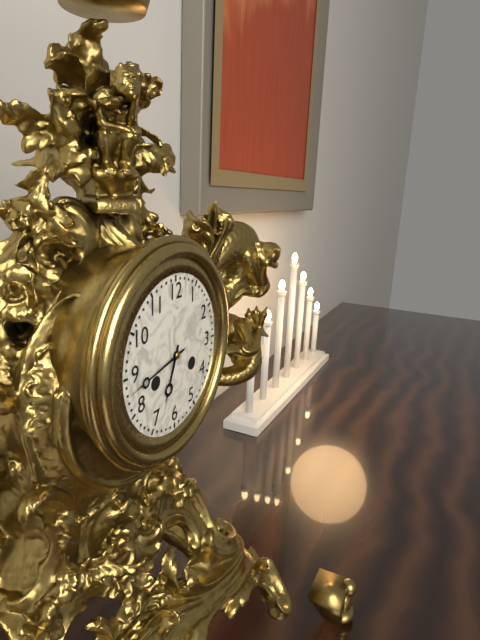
{"hour": 6, "minute": 43}
